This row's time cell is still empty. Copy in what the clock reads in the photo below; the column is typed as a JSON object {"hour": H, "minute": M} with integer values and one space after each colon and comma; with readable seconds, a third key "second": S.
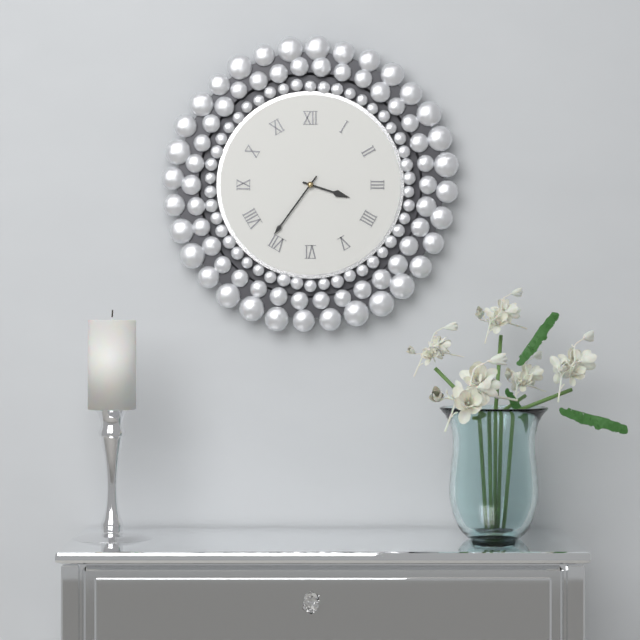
{"hour": 3, "minute": 36}
